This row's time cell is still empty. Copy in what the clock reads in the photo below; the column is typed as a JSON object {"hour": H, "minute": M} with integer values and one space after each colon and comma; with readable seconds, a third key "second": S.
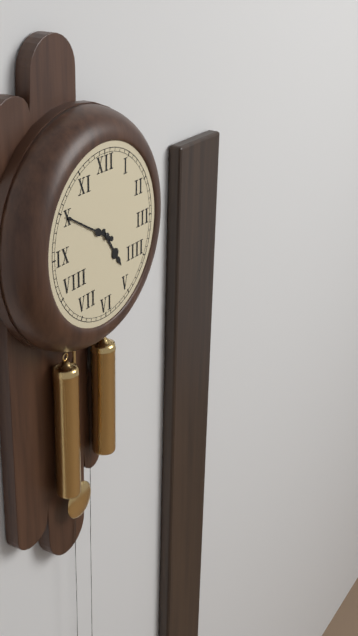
{"hour": 4, "minute": 50}
